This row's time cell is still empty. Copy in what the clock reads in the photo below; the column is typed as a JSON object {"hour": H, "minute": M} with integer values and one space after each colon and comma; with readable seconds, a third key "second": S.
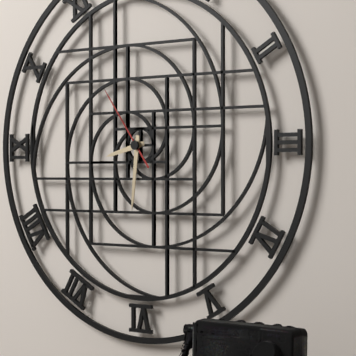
{"hour": 8, "minute": 31, "second": 54}
